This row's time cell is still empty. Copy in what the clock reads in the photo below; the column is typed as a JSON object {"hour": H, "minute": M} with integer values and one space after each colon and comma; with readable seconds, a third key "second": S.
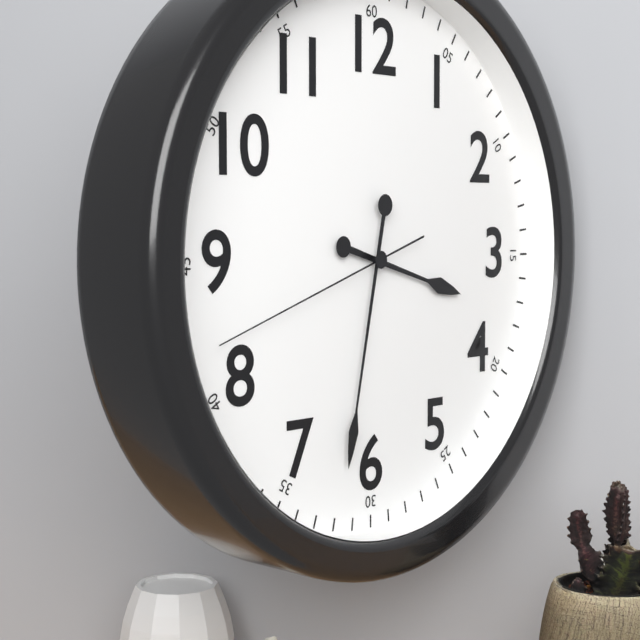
{"hour": 3, "minute": 32, "second": 42}
